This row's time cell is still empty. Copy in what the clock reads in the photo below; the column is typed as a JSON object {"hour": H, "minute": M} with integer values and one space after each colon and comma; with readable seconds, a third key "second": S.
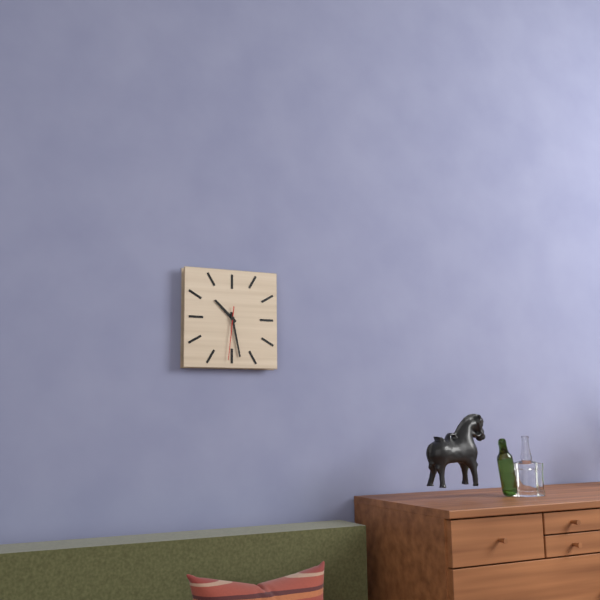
{"hour": 10, "minute": 28, "second": 31}
